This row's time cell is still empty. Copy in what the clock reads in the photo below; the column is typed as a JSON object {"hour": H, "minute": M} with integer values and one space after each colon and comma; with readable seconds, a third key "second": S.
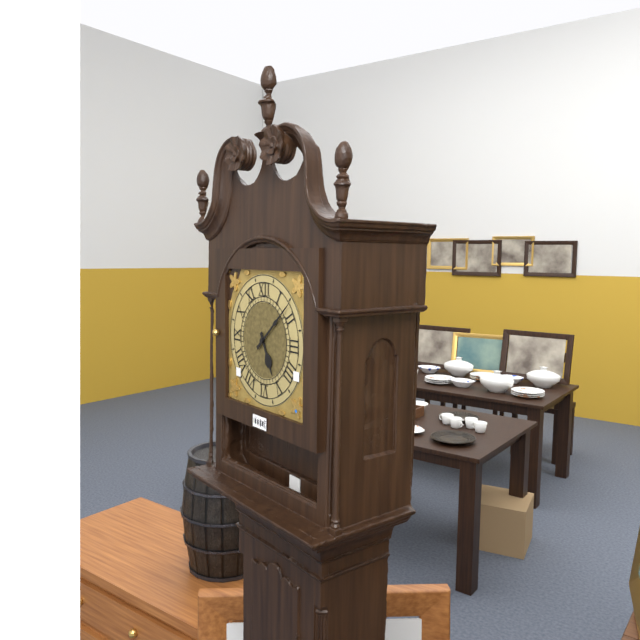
{"hour": 5, "minute": 8}
